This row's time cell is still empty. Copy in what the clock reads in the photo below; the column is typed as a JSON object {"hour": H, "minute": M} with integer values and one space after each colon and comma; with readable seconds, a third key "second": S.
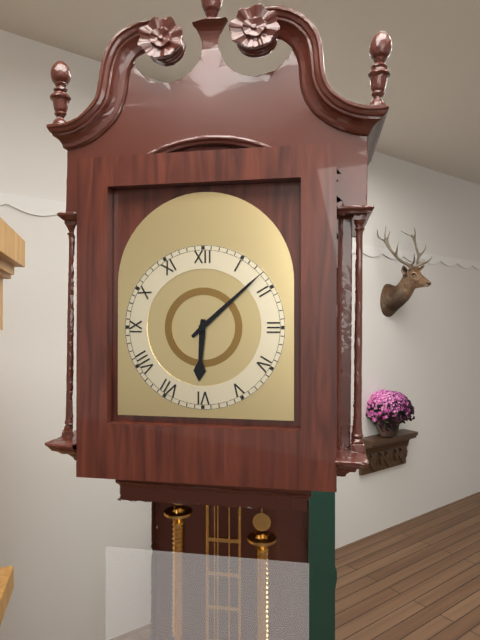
{"hour": 6, "minute": 8}
